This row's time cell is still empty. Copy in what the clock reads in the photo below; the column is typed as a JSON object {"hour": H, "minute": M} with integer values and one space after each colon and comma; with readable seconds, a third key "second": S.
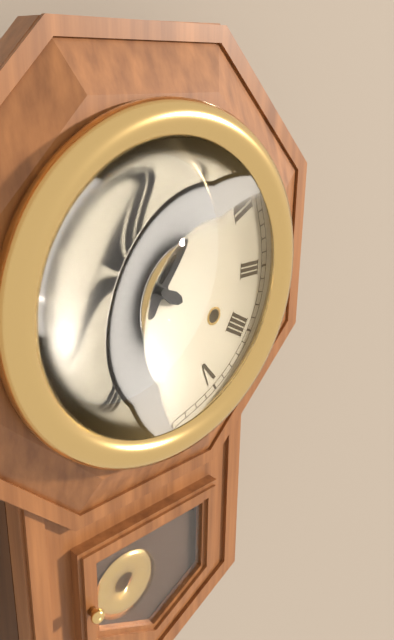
{"hour": 10, "minute": 6}
